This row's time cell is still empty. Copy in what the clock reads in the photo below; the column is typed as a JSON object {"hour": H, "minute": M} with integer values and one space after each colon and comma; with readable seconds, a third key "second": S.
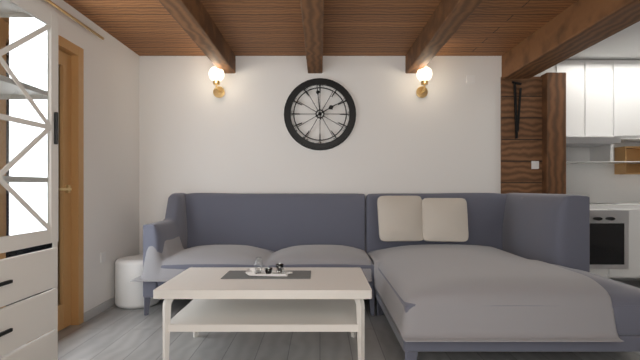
{"hour": 1, "minute": 59}
